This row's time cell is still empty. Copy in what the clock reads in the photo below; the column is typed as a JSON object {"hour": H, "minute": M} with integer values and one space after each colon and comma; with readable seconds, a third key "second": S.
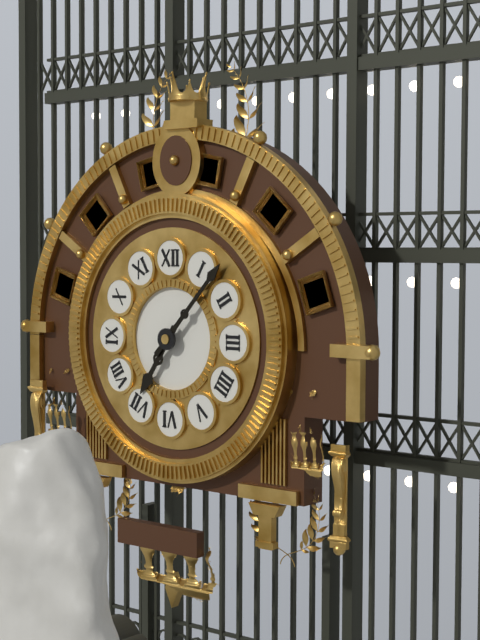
{"hour": 7, "minute": 7}
